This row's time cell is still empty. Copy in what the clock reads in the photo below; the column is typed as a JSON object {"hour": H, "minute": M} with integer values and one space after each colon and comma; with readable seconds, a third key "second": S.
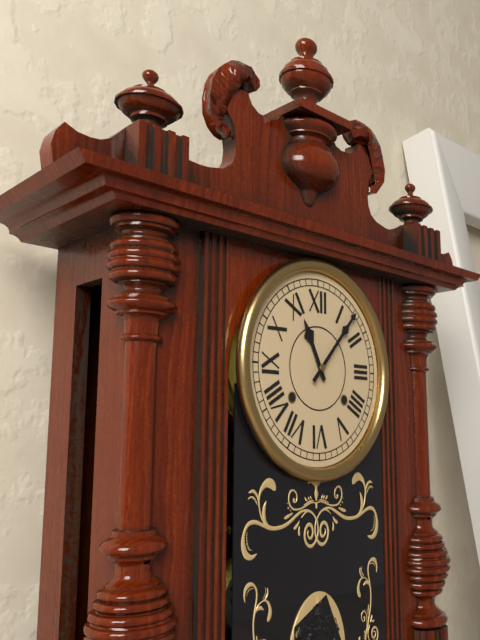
{"hour": 11, "minute": 7}
